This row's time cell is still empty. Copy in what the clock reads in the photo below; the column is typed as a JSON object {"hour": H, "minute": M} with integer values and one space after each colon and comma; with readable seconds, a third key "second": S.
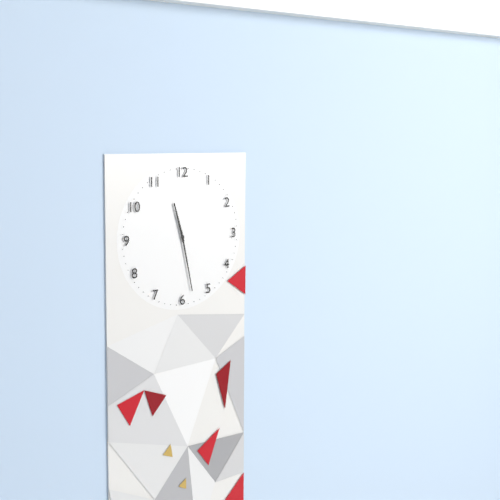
{"hour": 11, "minute": 28}
